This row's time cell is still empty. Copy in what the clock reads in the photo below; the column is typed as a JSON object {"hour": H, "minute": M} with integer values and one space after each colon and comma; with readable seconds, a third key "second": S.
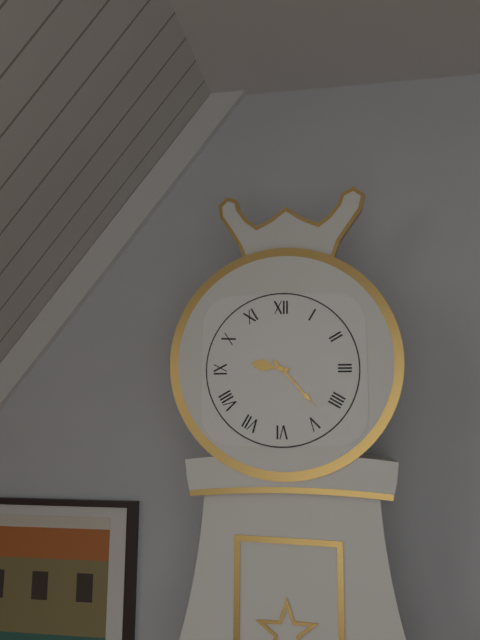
{"hour": 9, "minute": 23}
